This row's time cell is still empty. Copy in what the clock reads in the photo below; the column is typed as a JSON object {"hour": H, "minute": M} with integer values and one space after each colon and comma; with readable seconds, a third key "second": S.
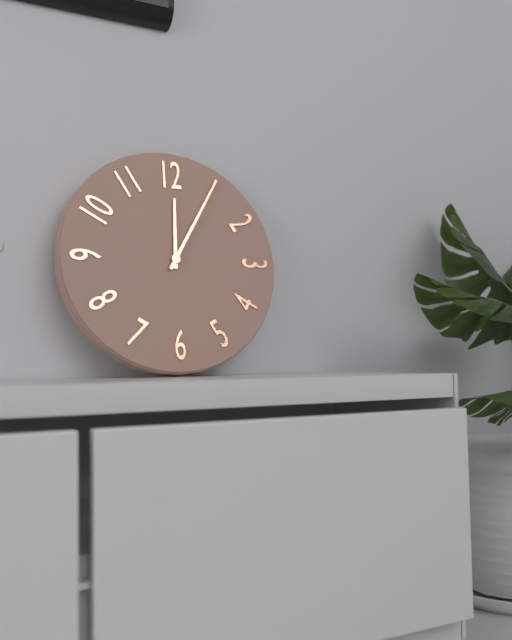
{"hour": 12, "minute": 5}
